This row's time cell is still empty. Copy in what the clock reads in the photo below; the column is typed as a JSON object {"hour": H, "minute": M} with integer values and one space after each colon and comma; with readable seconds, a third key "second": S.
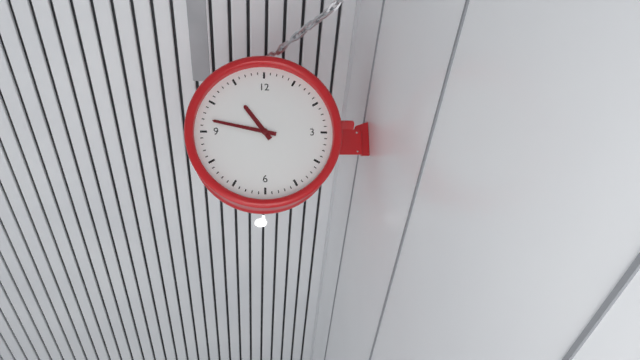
{"hour": 10, "minute": 47}
